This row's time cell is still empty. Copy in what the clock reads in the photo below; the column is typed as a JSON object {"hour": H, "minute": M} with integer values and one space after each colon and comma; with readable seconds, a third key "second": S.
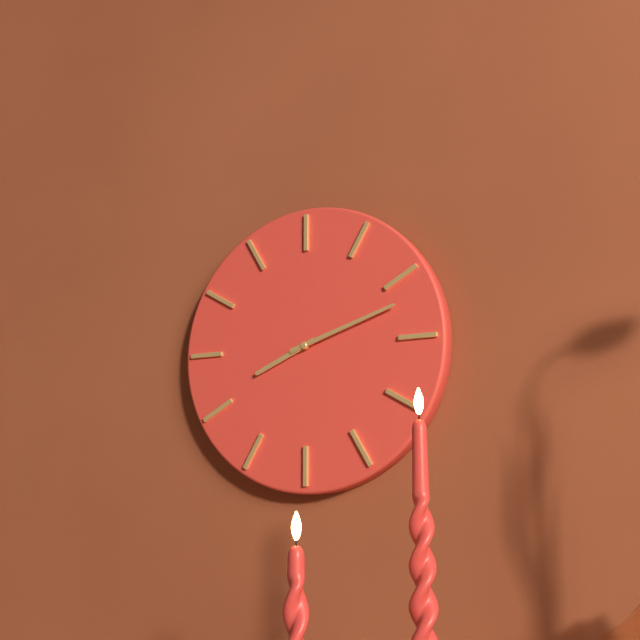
{"hour": 8, "minute": 12}
